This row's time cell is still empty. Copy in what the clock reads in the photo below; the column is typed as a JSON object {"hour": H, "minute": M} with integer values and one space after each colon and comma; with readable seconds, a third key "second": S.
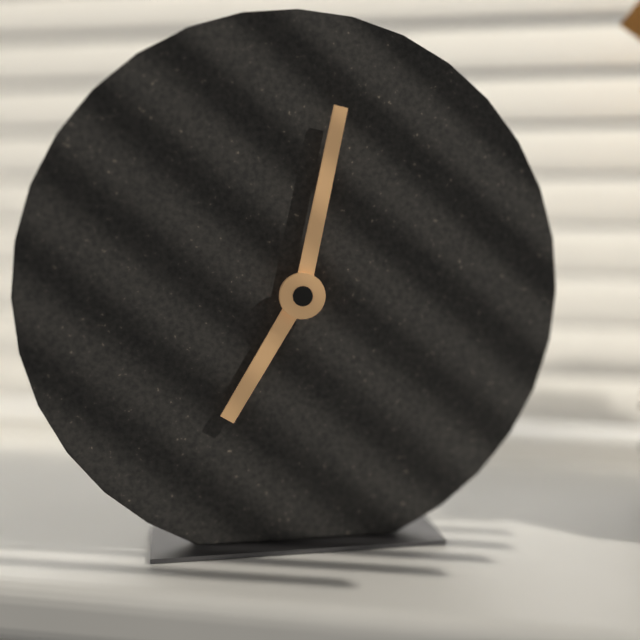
{"hour": 7, "minute": 2}
